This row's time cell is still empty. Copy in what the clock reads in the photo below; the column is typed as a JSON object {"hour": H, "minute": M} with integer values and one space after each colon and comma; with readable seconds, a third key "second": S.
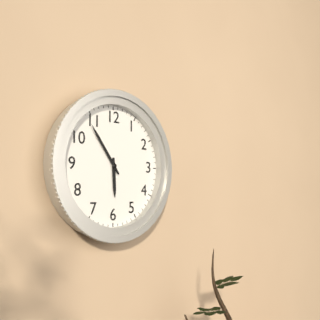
{"hour": 5, "minute": 54}
